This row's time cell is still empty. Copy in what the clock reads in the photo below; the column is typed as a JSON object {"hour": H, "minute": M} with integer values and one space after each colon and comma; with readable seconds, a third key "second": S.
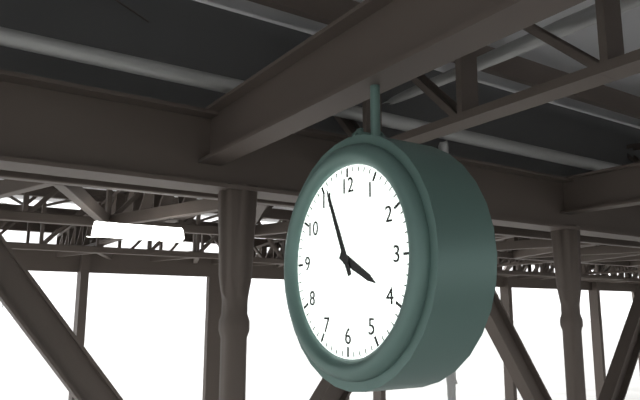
{"hour": 3, "minute": 56}
